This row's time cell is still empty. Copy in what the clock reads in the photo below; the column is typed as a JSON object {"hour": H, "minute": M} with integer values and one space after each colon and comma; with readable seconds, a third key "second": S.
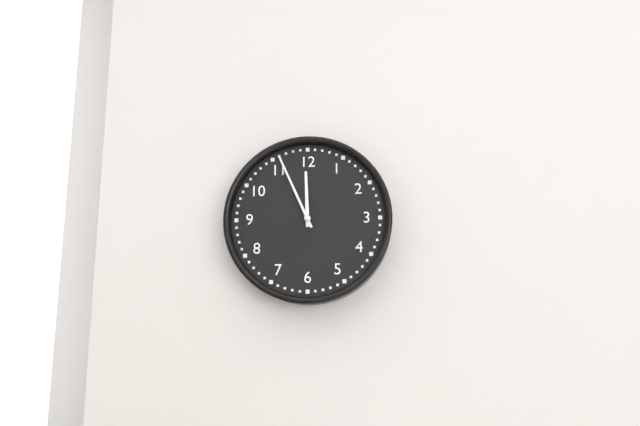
{"hour": 11, "minute": 56}
